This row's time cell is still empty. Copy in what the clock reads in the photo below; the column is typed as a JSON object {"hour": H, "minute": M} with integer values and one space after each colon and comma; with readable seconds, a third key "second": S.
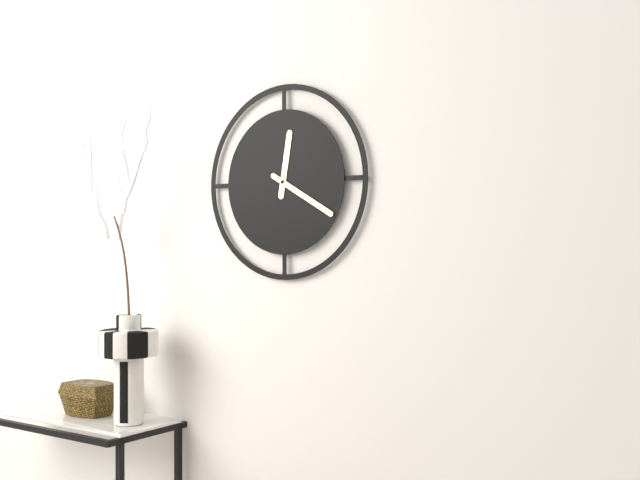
{"hour": 12, "minute": 20}
